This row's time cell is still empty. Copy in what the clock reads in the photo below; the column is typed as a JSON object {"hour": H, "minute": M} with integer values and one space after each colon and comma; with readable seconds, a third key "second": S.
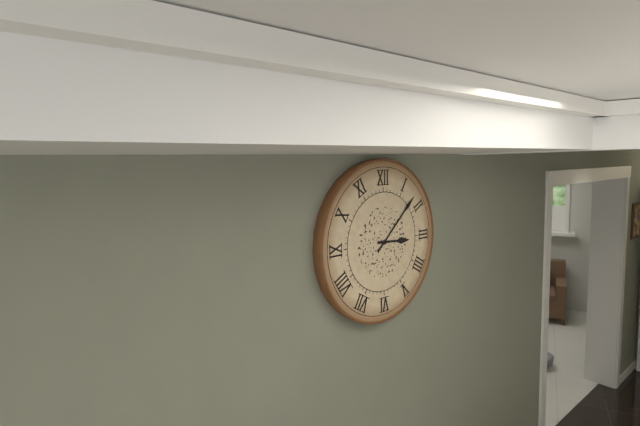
{"hour": 3, "minute": 8}
